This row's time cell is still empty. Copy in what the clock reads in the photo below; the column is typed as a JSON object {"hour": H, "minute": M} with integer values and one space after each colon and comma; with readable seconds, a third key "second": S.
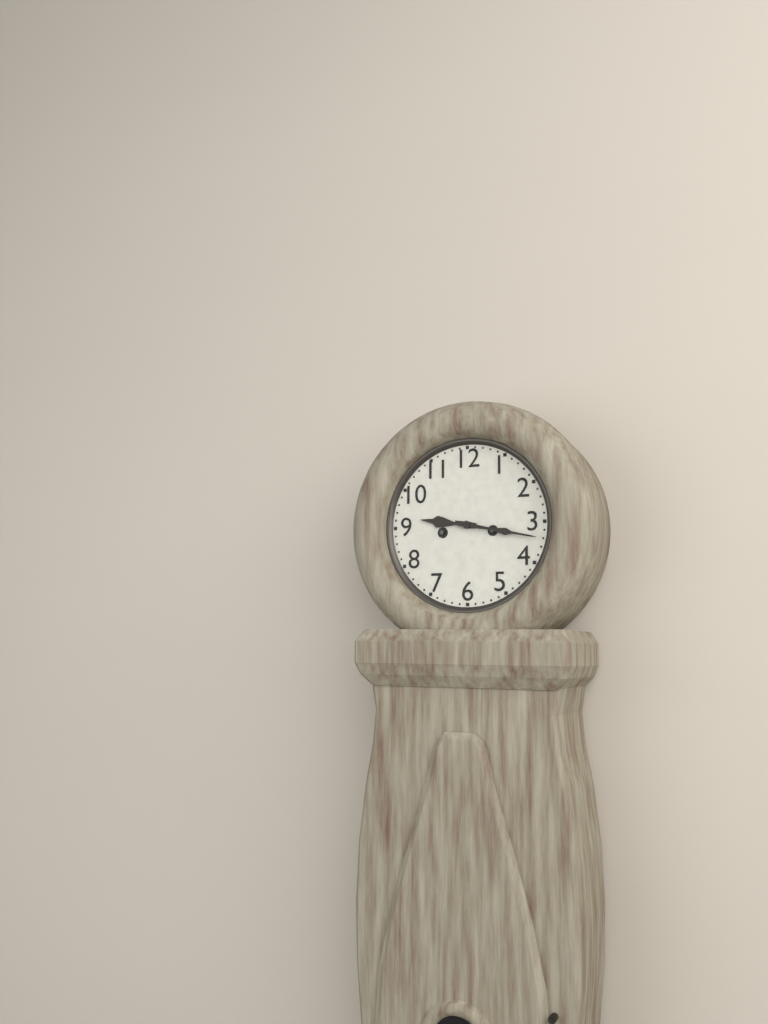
{"hour": 9, "minute": 17}
